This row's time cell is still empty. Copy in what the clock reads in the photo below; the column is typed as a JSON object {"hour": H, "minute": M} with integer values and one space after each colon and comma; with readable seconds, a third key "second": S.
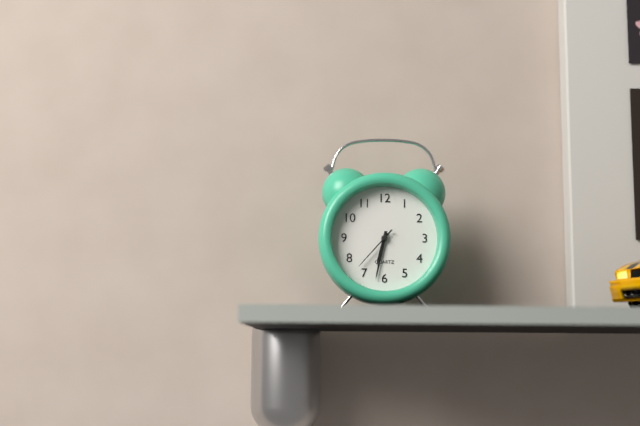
{"hour": 6, "minute": 32}
